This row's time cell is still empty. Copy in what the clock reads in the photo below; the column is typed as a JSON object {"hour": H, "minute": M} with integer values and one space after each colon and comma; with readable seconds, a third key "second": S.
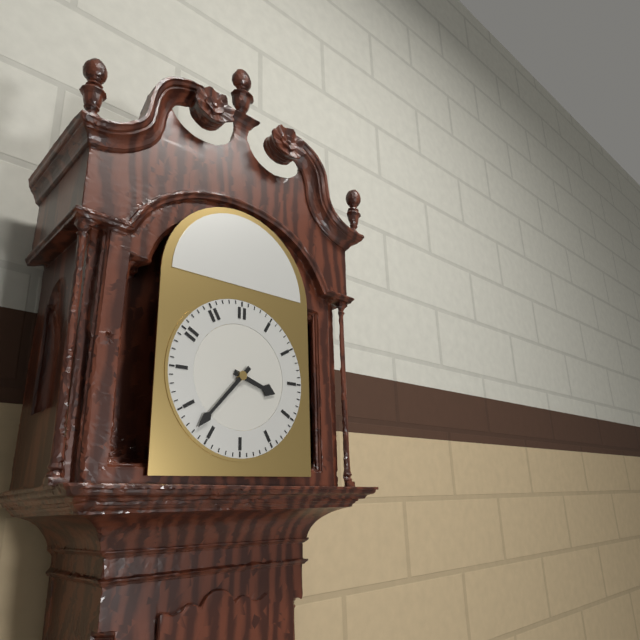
{"hour": 3, "minute": 37}
